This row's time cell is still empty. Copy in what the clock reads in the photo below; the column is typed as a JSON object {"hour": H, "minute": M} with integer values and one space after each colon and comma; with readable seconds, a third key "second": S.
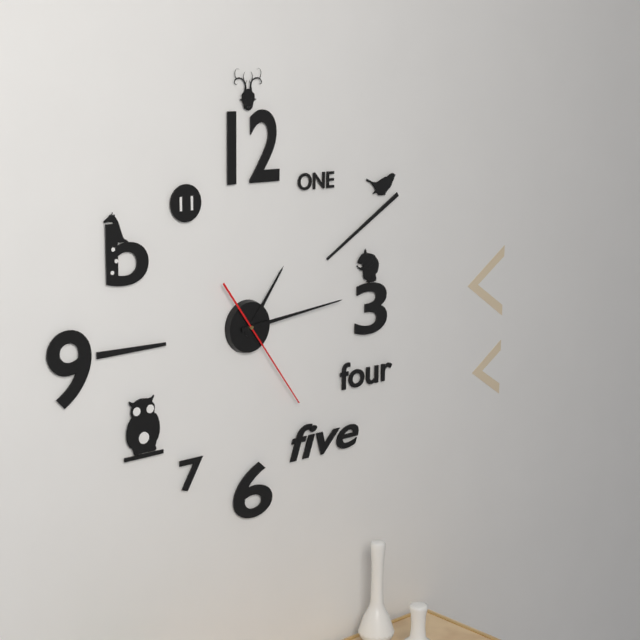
{"hour": 1, "minute": 14, "second": 24}
